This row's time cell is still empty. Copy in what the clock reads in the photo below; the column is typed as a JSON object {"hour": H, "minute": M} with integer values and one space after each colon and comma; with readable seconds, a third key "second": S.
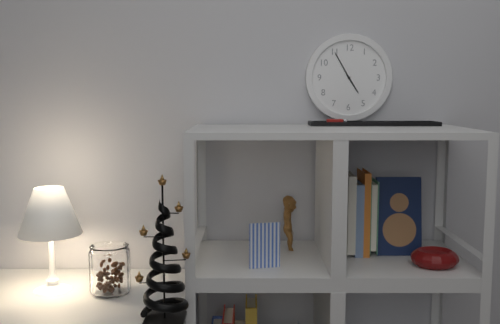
{"hour": 4, "minute": 55}
